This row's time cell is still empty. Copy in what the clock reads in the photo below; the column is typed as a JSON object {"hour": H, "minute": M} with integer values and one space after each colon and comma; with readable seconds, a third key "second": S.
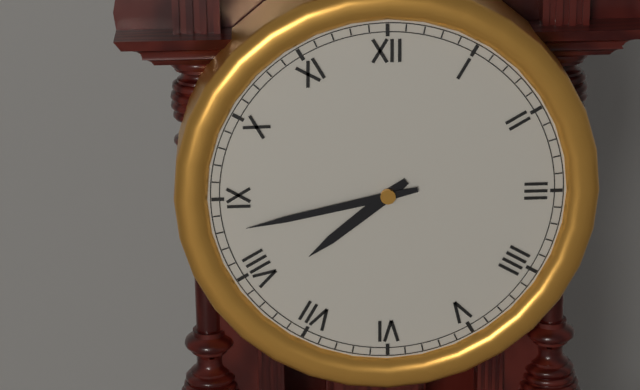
{"hour": 7, "minute": 43}
